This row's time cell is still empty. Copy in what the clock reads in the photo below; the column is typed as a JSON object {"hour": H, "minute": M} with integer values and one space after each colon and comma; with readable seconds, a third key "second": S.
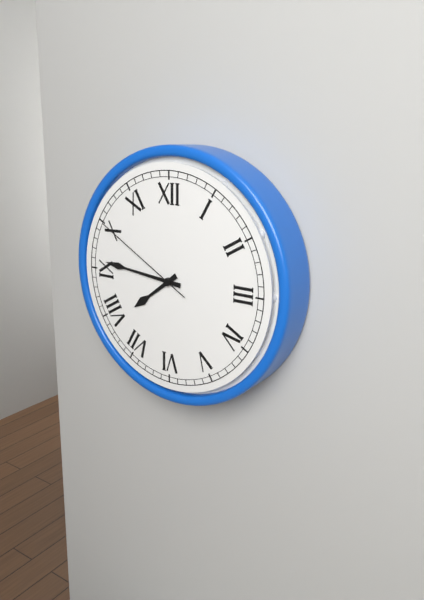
{"hour": 7, "minute": 46, "second": 50}
